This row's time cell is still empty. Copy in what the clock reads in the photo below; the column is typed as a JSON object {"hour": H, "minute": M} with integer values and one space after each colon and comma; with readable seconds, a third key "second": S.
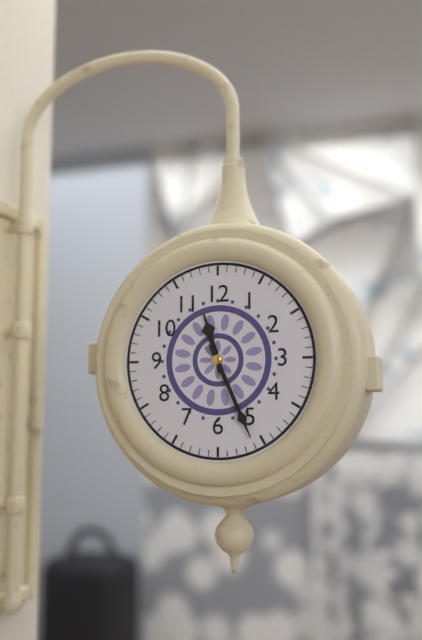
{"hour": 11, "minute": 26}
